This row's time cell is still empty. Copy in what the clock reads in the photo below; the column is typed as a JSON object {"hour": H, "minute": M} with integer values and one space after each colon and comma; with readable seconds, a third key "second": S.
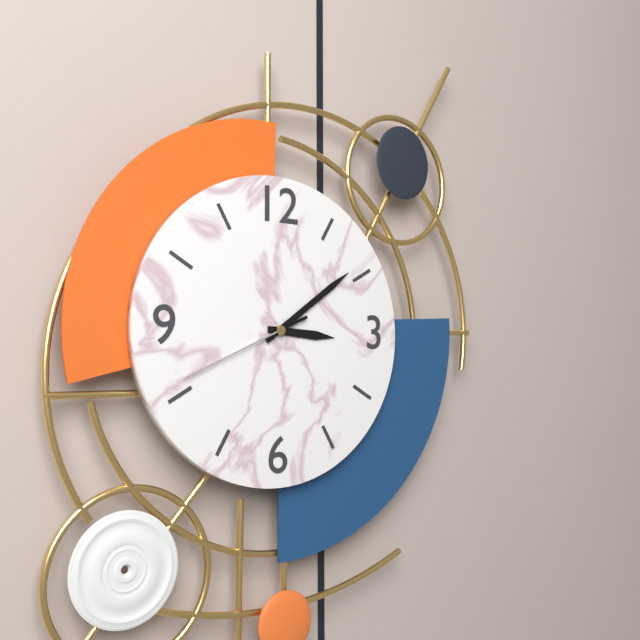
{"hour": 3, "minute": 9, "second": 41}
